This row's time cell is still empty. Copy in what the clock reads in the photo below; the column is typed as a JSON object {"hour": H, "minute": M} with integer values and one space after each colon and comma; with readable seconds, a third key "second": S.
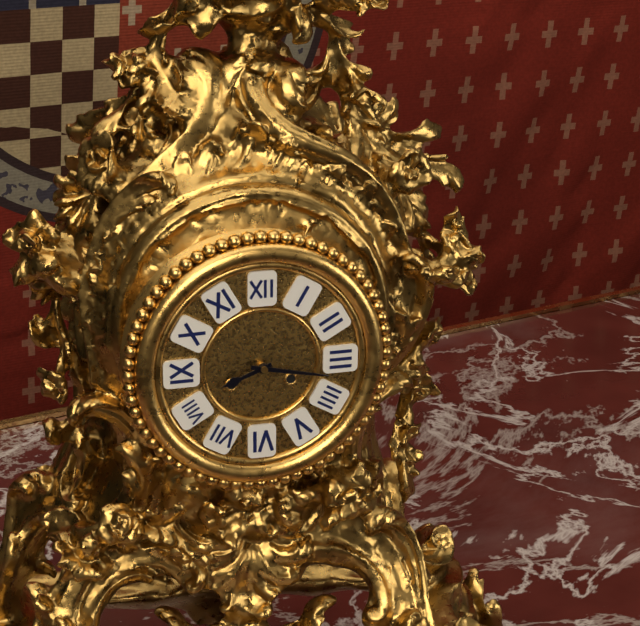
{"hour": 8, "minute": 17}
